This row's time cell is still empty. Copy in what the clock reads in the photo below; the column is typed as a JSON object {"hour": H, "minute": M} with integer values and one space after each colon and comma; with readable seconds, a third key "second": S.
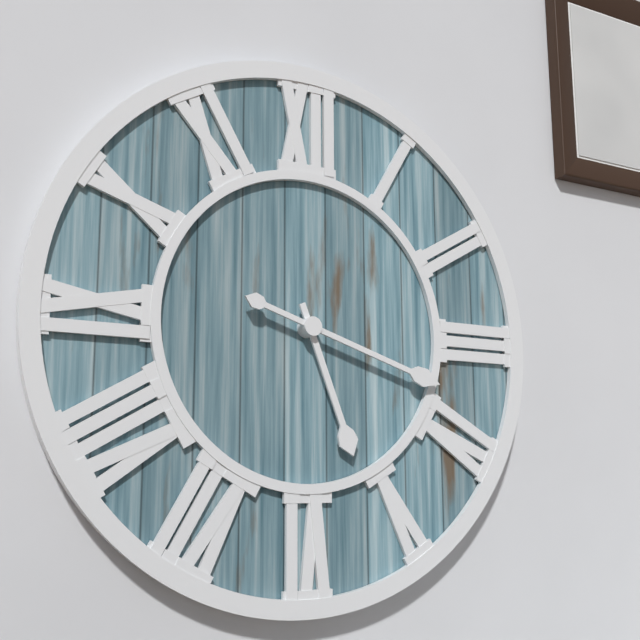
{"hour": 5, "minute": 18}
